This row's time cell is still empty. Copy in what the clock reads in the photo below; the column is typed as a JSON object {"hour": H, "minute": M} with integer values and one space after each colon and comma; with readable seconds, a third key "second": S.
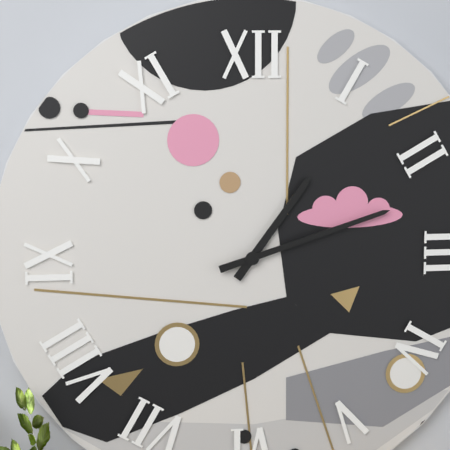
{"hour": 1, "minute": 12}
